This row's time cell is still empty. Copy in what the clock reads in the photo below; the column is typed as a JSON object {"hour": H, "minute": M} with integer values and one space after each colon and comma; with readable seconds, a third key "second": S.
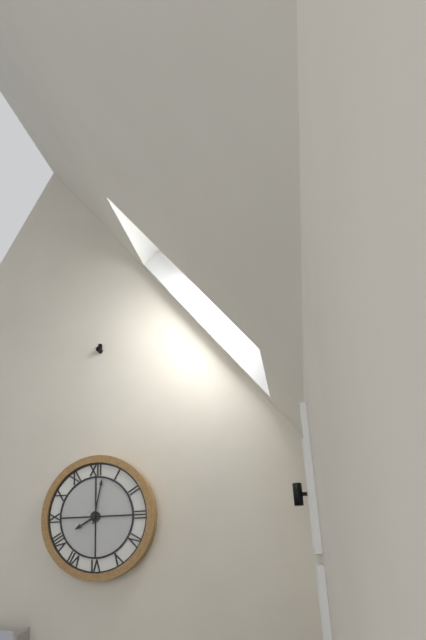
{"hour": 8, "minute": 2}
